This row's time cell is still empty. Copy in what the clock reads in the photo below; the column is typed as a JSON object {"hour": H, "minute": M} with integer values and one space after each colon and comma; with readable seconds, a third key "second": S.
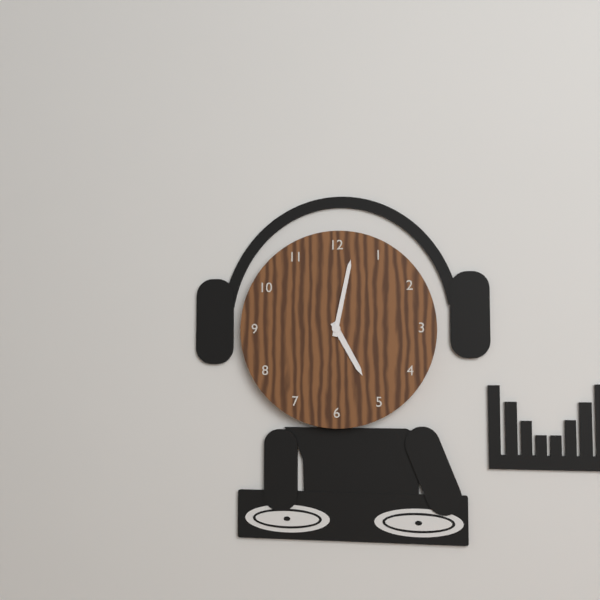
{"hour": 5, "minute": 2}
